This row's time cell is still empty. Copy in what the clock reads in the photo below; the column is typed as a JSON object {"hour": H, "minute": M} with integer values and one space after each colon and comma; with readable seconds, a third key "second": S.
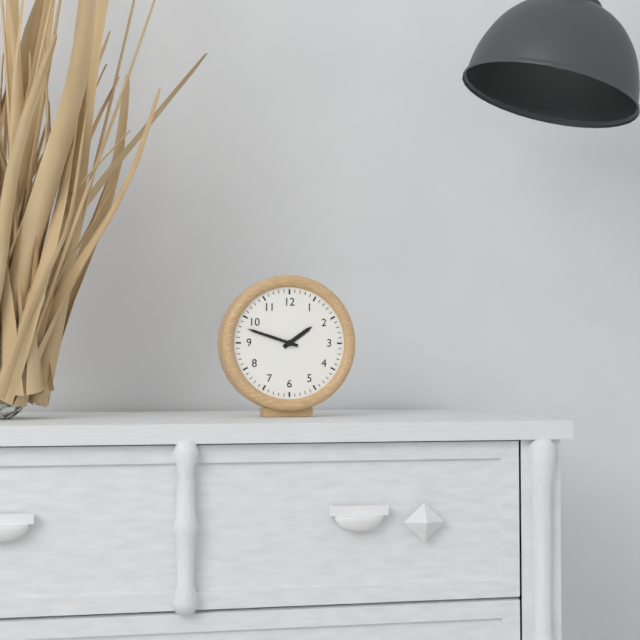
{"hour": 1, "minute": 48}
